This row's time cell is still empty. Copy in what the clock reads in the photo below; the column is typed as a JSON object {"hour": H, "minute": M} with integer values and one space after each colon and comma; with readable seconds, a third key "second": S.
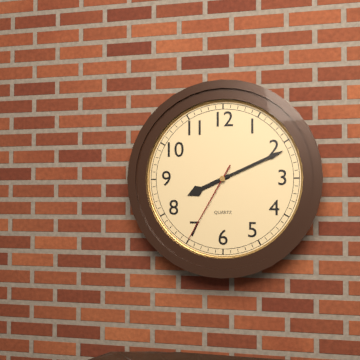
{"hour": 8, "minute": 11, "second": 35}
